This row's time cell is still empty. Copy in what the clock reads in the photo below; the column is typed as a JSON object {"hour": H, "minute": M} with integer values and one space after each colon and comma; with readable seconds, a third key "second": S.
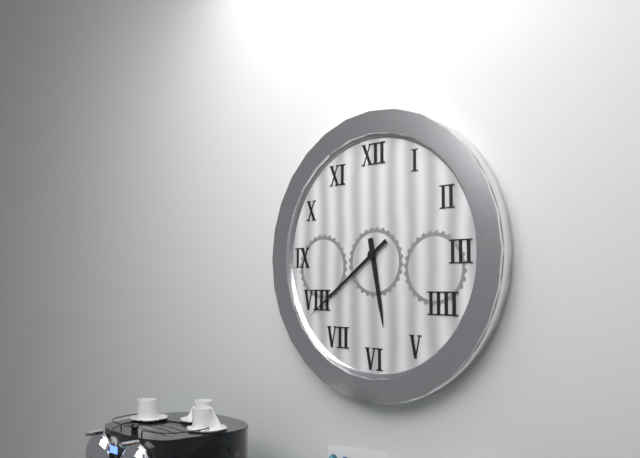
{"hour": 5, "minute": 39}
